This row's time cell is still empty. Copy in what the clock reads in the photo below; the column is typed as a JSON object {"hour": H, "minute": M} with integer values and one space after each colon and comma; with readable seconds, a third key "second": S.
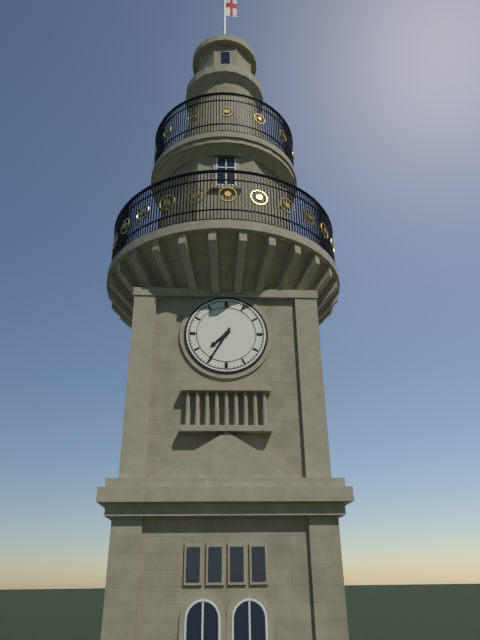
{"hour": 7, "minute": 35}
